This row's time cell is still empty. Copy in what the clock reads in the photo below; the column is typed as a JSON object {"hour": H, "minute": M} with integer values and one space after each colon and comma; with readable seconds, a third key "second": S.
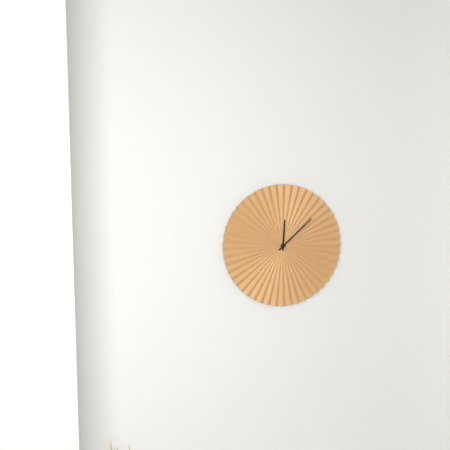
{"hour": 12, "minute": 8}
